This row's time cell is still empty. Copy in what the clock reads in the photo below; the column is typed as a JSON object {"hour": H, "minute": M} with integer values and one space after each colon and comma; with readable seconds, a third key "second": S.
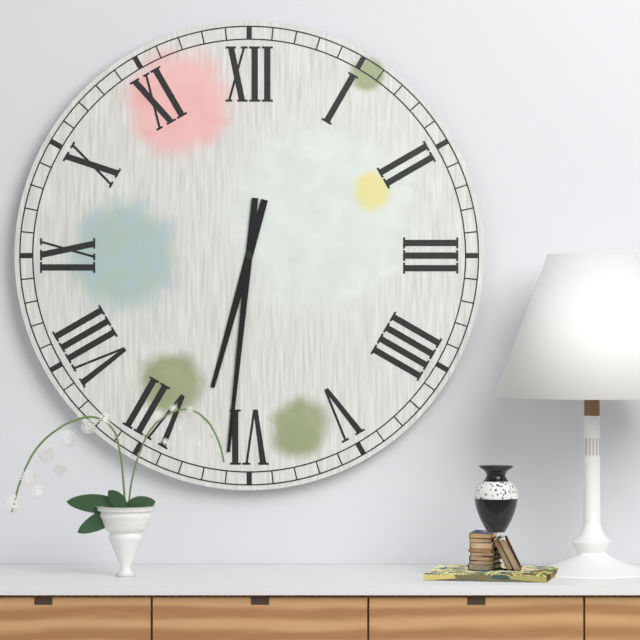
{"hour": 6, "minute": 31}
